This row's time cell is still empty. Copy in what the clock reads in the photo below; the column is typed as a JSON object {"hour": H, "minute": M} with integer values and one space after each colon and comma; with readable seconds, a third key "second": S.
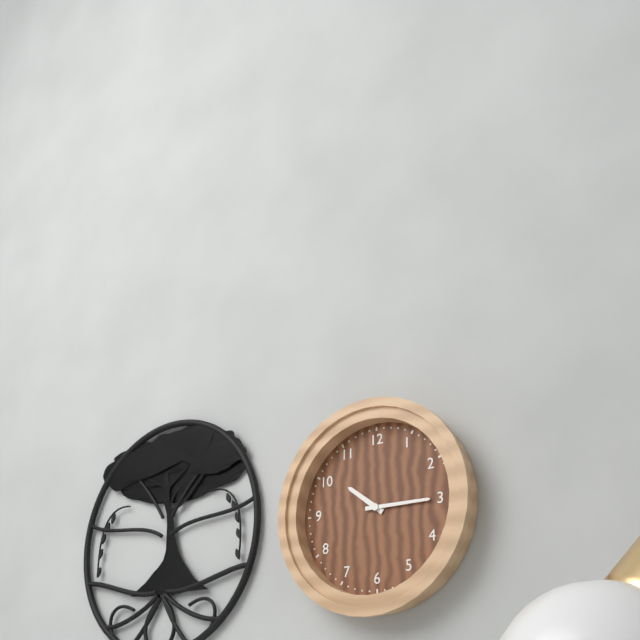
{"hour": 10, "minute": 15}
